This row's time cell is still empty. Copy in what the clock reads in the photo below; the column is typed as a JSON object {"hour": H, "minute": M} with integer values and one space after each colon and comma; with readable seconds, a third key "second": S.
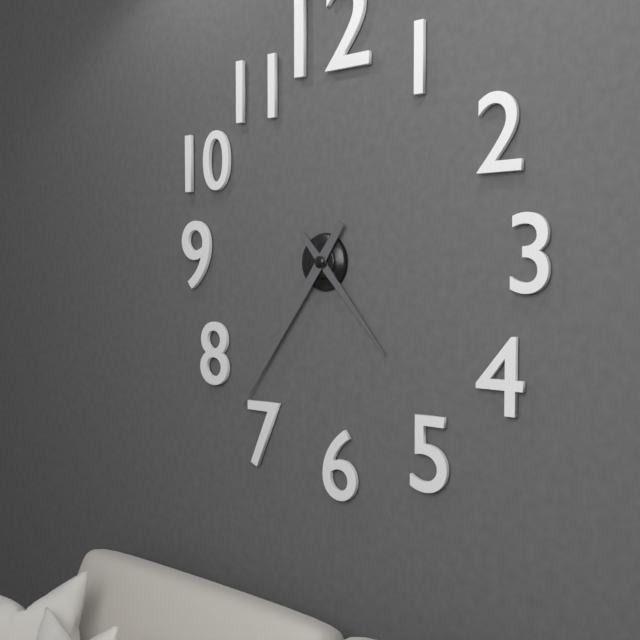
{"hour": 4, "minute": 36}
